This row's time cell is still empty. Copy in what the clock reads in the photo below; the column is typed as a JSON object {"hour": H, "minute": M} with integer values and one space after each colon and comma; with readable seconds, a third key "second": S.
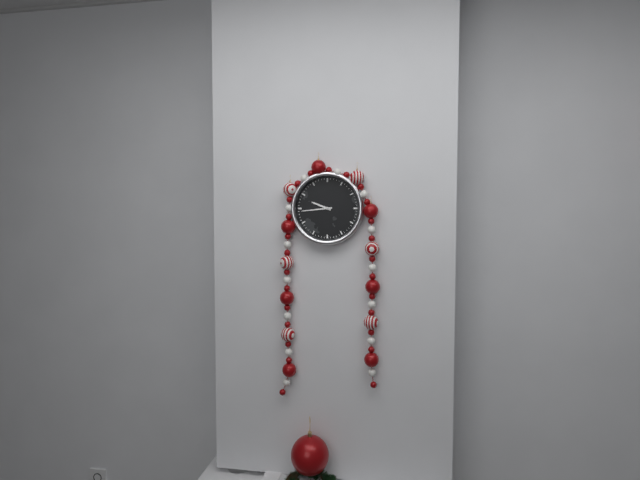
{"hour": 9, "minute": 44}
